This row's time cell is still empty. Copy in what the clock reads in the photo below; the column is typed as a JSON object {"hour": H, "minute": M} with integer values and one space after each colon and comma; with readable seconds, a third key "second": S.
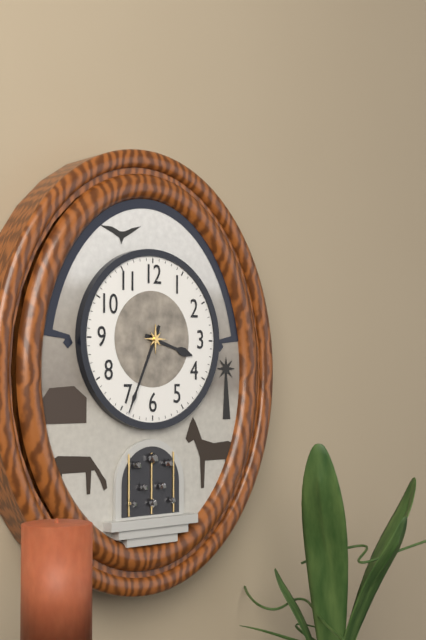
{"hour": 3, "minute": 34}
